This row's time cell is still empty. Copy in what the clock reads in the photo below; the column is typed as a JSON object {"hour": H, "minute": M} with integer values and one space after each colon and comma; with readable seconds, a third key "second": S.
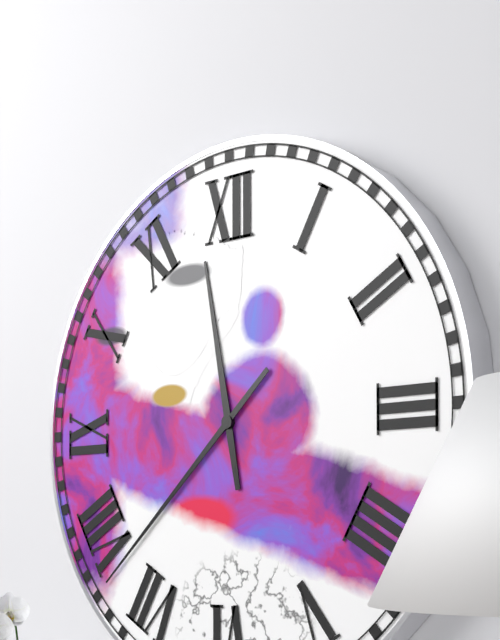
{"hour": 11, "minute": 38}
